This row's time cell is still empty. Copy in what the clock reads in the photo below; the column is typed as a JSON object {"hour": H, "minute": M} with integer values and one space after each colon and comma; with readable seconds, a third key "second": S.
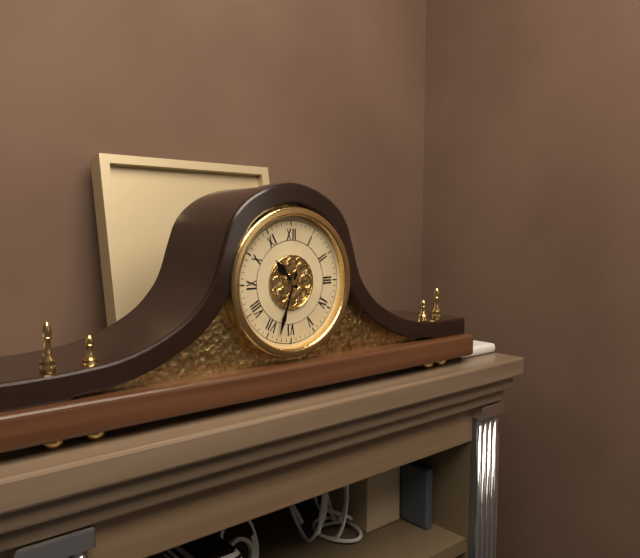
{"hour": 10, "minute": 33}
